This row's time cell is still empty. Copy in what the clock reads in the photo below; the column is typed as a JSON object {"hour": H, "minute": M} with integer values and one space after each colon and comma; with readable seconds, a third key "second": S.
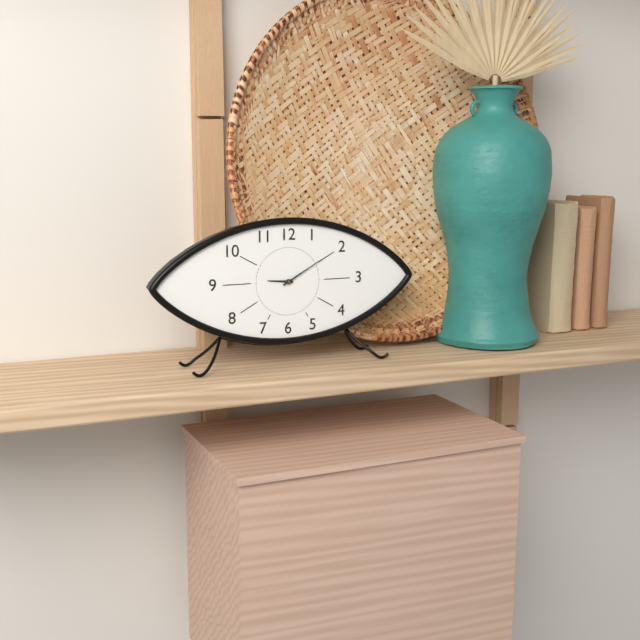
{"hour": 9, "minute": 10}
